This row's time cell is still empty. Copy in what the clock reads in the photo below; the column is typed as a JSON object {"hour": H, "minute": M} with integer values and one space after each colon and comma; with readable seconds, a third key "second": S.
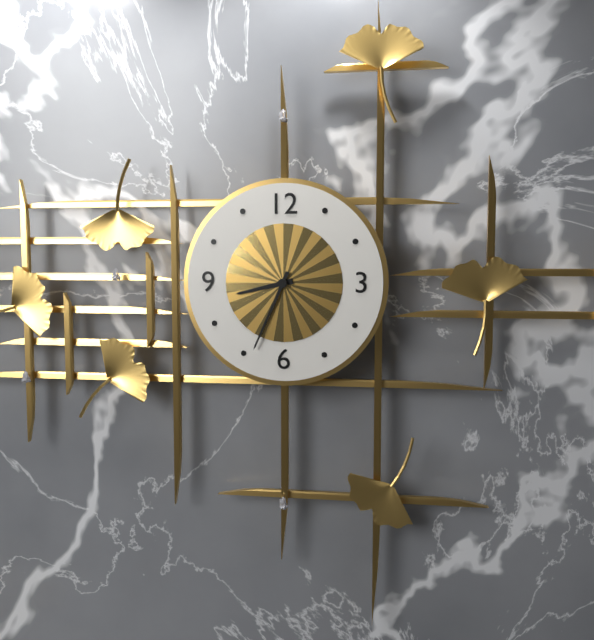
{"hour": 8, "minute": 34}
